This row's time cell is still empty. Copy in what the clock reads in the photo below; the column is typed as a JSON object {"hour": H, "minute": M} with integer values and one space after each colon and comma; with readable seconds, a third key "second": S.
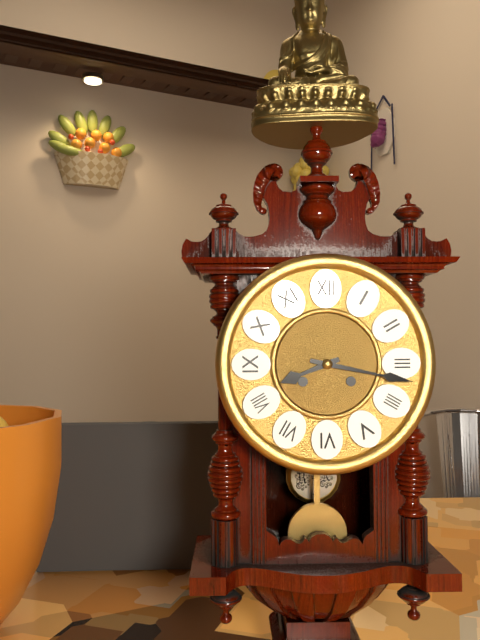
{"hour": 8, "minute": 17}
